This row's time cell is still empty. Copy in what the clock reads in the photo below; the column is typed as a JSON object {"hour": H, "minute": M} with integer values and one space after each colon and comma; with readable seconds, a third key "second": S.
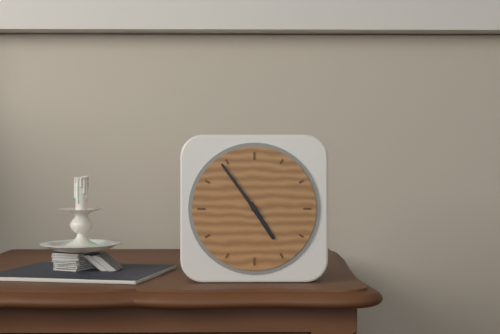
{"hour": 4, "minute": 54}
